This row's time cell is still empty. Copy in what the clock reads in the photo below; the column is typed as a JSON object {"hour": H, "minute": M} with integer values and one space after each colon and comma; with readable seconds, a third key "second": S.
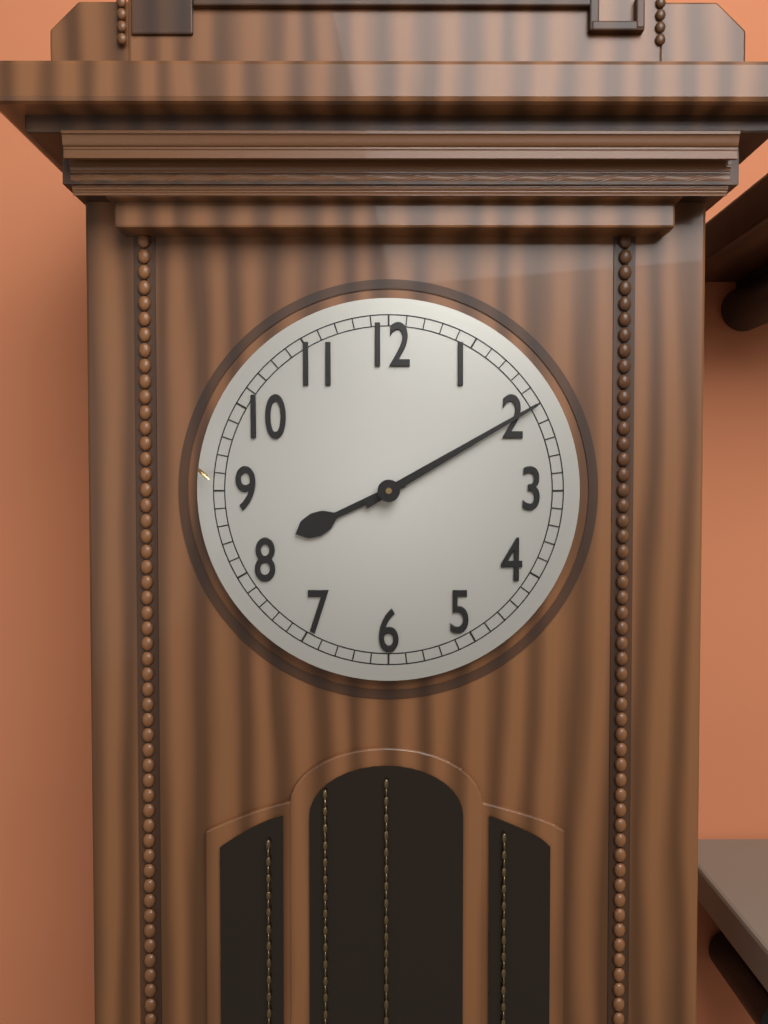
{"hour": 8, "minute": 10}
